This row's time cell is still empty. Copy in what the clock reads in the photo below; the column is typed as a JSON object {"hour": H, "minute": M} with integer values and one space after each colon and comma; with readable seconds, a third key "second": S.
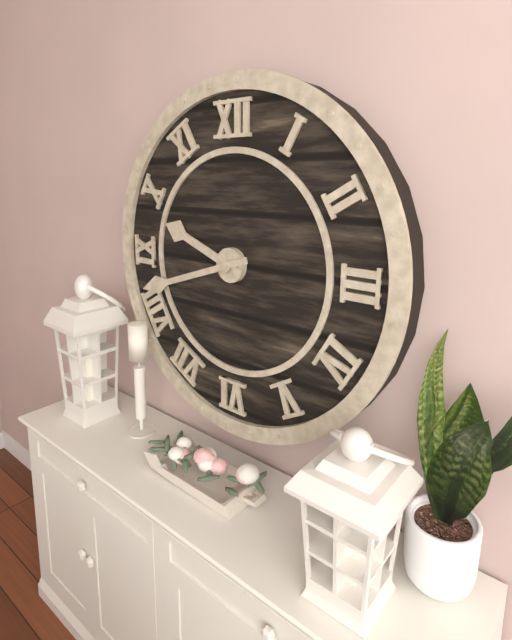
{"hour": 9, "minute": 42}
